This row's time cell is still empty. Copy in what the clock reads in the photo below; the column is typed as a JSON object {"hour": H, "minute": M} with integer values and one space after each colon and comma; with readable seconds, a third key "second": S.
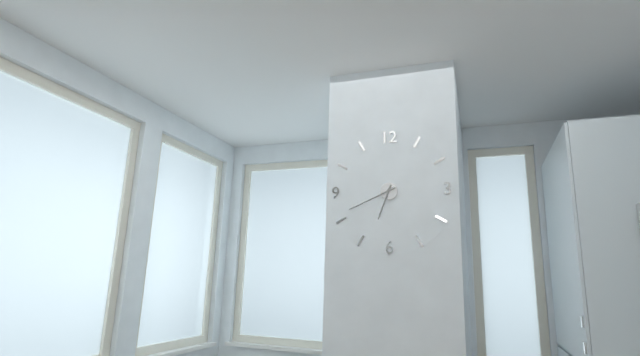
{"hour": 6, "minute": 41}
